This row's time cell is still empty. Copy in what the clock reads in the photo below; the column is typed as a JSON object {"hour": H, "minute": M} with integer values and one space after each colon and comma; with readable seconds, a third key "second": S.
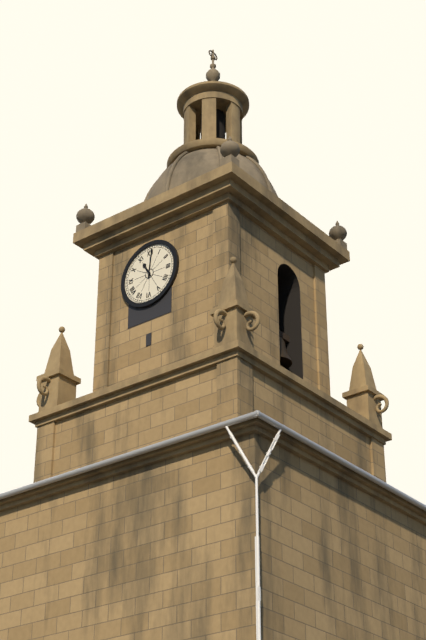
{"hour": 11, "minute": 1}
